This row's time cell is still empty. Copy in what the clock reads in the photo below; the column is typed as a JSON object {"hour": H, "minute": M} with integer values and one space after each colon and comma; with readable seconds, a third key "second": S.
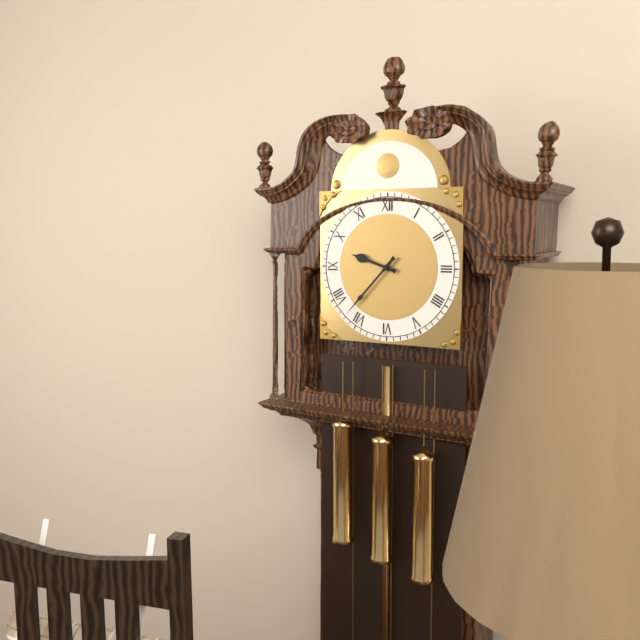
{"hour": 9, "minute": 37}
